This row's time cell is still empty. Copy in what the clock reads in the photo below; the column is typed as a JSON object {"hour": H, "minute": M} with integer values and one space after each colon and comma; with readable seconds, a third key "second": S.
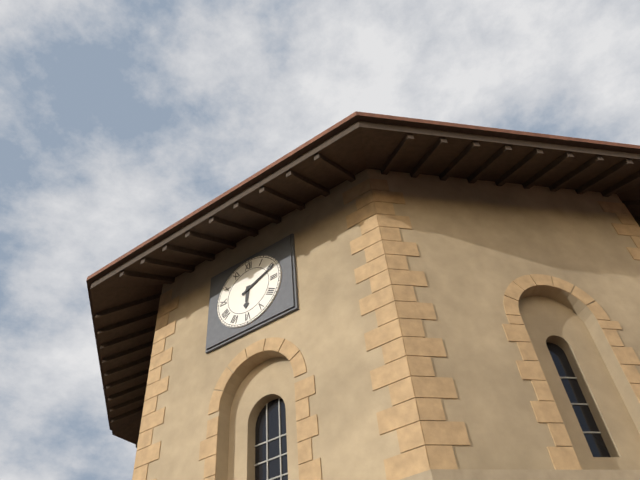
{"hour": 6, "minute": 11}
